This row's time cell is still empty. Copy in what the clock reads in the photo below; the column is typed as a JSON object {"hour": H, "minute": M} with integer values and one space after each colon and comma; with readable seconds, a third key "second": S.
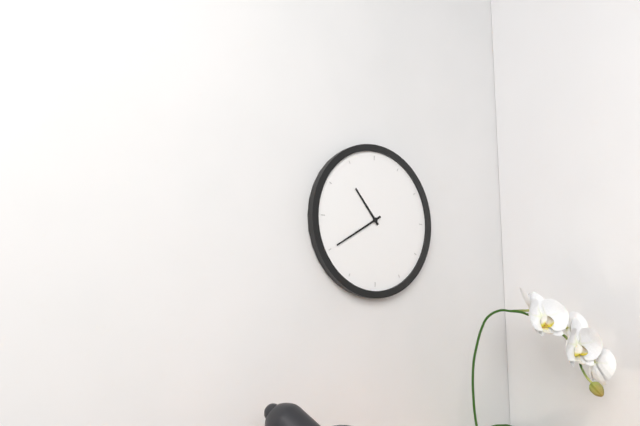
{"hour": 10, "minute": 40}
